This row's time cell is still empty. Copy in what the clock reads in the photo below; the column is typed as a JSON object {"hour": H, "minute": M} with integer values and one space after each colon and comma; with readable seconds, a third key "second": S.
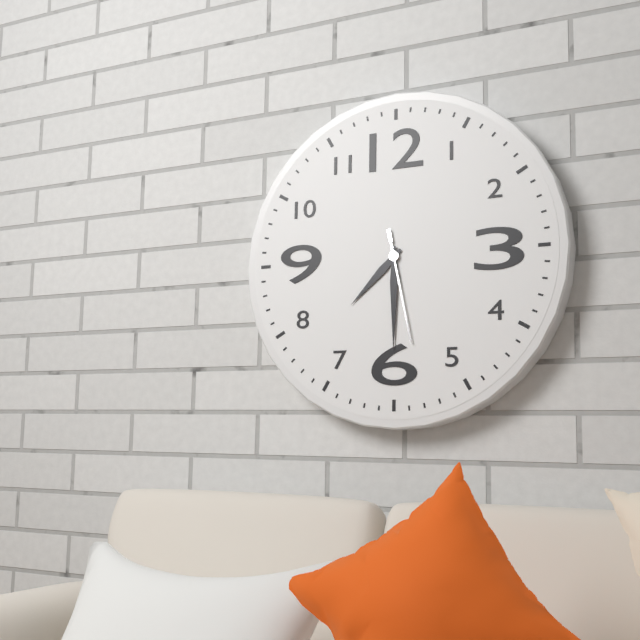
{"hour": 7, "minute": 30, "second": 28}
